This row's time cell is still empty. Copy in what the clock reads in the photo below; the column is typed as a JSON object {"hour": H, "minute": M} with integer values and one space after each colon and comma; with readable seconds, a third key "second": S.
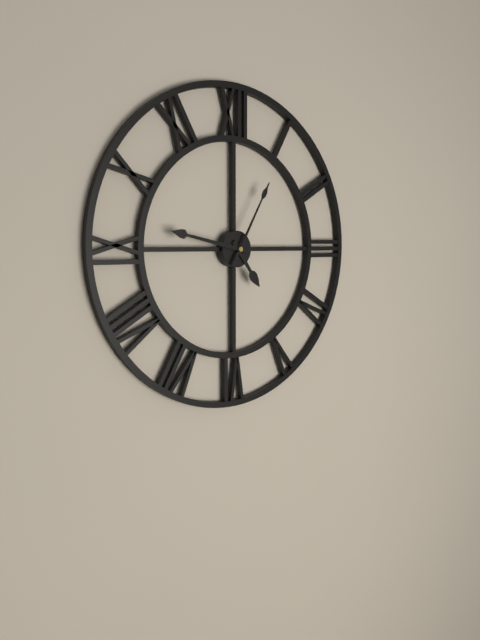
{"hour": 4, "minute": 47, "second": 5}
